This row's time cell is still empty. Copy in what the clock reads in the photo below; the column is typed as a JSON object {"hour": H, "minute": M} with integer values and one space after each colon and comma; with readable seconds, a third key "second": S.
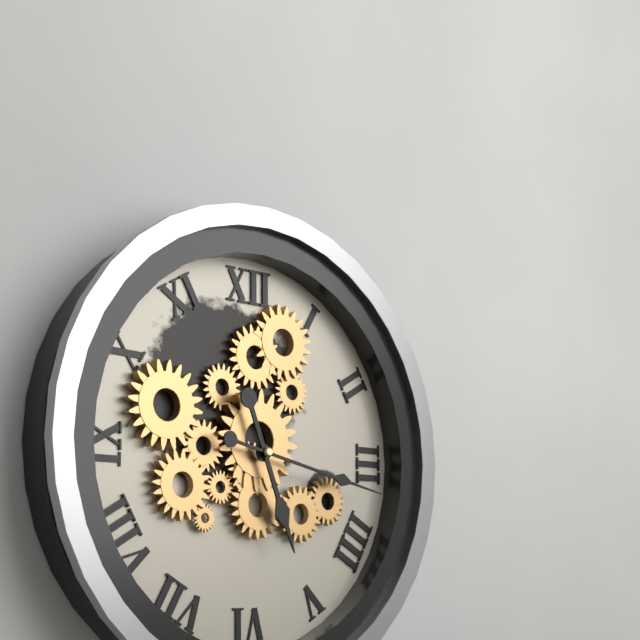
{"hour": 5, "minute": 17}
